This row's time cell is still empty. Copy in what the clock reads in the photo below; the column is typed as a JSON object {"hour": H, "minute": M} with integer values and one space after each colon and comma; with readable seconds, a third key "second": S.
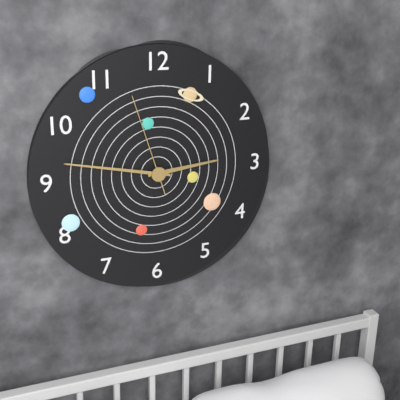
{"hour": 2, "minute": 47, "second": 57}
